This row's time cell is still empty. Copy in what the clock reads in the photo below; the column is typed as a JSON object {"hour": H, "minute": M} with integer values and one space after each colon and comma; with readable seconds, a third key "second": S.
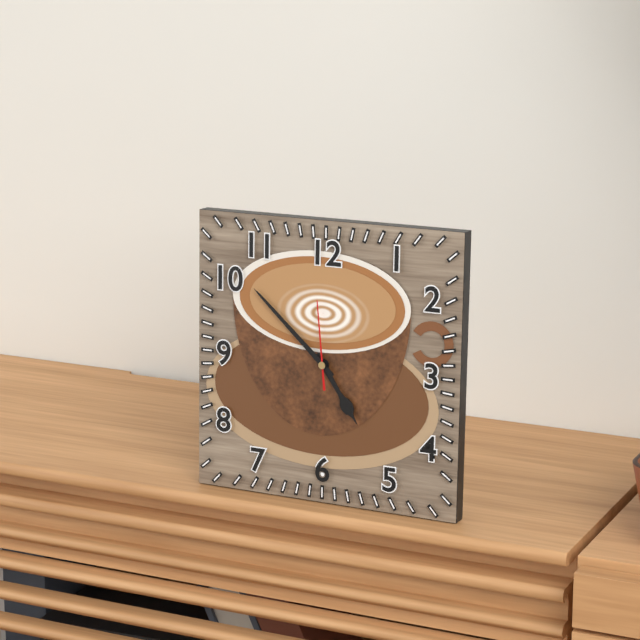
{"hour": 4, "minute": 52, "second": 59}
